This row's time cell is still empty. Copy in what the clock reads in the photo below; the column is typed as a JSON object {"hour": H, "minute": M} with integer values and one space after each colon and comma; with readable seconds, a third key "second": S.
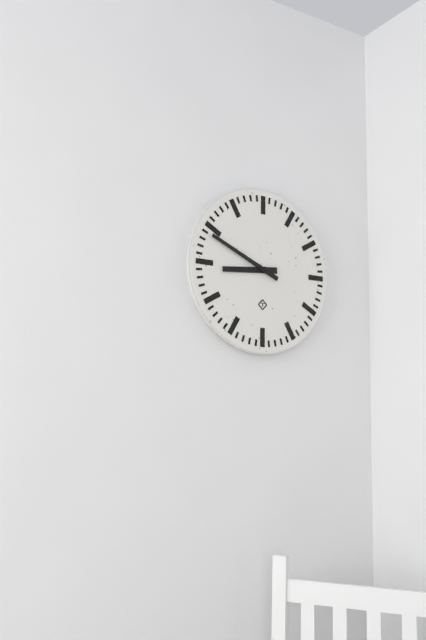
{"hour": 8, "minute": 49}
